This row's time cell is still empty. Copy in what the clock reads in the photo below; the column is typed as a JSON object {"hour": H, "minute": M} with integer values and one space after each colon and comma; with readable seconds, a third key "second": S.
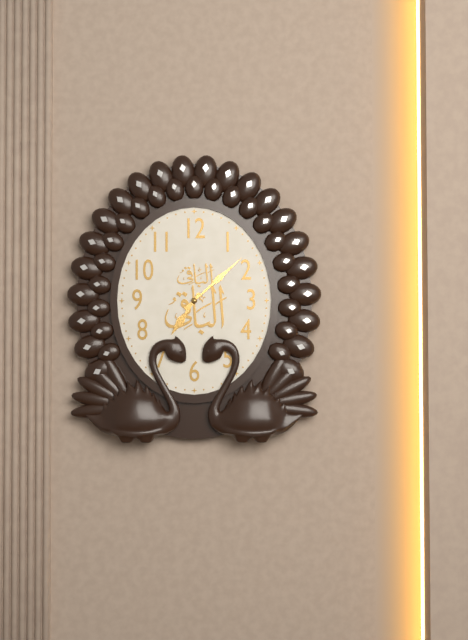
{"hour": 7, "minute": 8}
